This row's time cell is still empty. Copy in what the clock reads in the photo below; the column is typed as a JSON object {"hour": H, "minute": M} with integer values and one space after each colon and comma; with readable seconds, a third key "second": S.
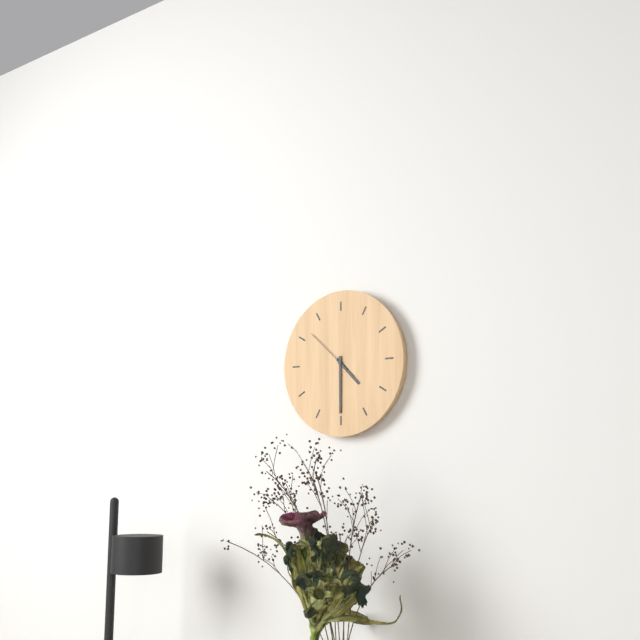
{"hour": 4, "minute": 30, "second": 52}
